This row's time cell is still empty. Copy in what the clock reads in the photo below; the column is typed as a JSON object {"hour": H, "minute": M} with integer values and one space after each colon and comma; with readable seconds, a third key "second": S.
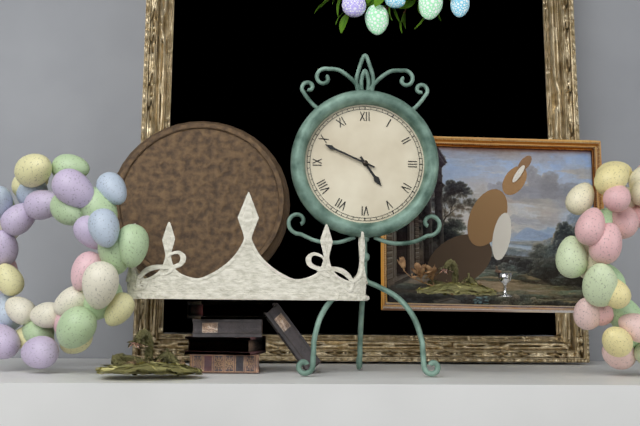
{"hour": 4, "minute": 49}
